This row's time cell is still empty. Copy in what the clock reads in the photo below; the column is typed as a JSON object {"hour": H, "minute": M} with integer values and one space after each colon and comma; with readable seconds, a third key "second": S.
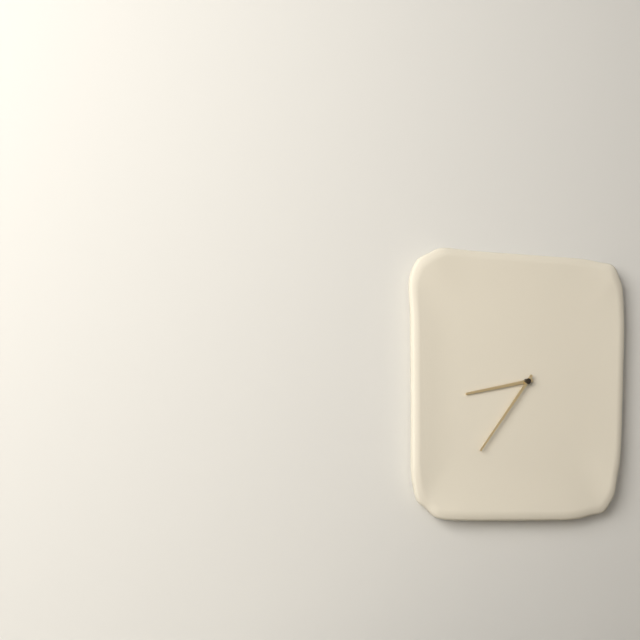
{"hour": 8, "minute": 36}
